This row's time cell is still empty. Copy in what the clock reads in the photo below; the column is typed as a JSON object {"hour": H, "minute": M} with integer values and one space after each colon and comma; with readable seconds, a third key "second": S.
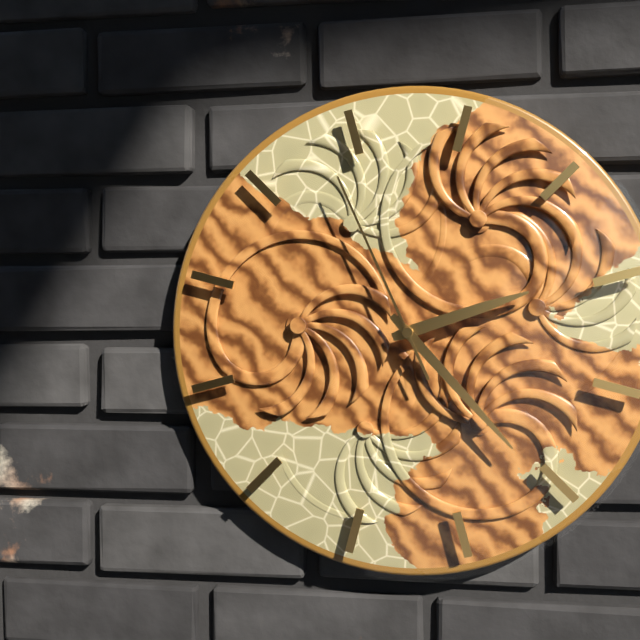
{"hour": 2, "minute": 23, "second": 56}
